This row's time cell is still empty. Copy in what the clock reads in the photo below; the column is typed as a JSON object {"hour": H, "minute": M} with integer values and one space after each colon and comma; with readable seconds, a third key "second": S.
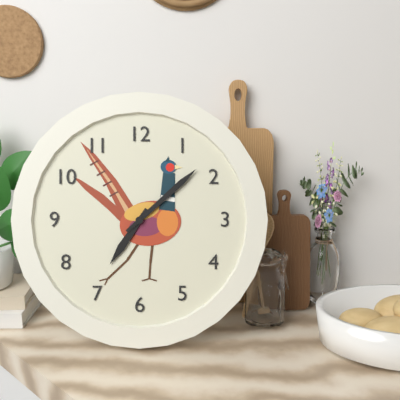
{"hour": 7, "minute": 8}
